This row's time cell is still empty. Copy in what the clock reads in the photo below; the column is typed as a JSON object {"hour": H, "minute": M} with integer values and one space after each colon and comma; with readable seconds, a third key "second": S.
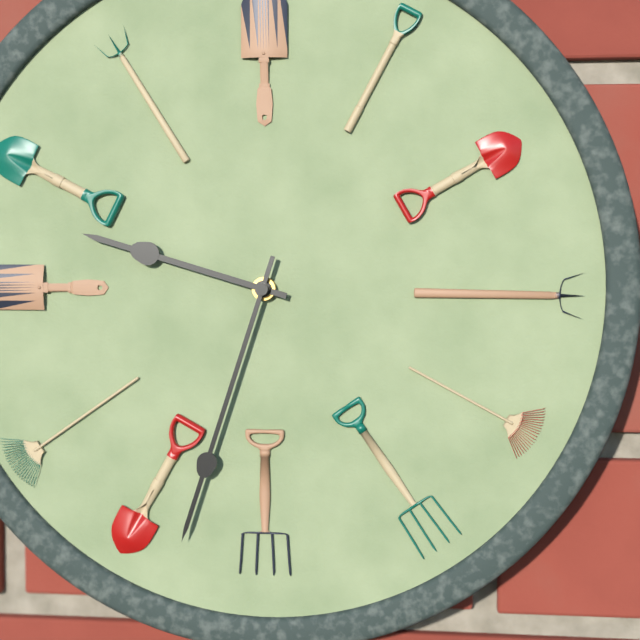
{"hour": 9, "minute": 33}
